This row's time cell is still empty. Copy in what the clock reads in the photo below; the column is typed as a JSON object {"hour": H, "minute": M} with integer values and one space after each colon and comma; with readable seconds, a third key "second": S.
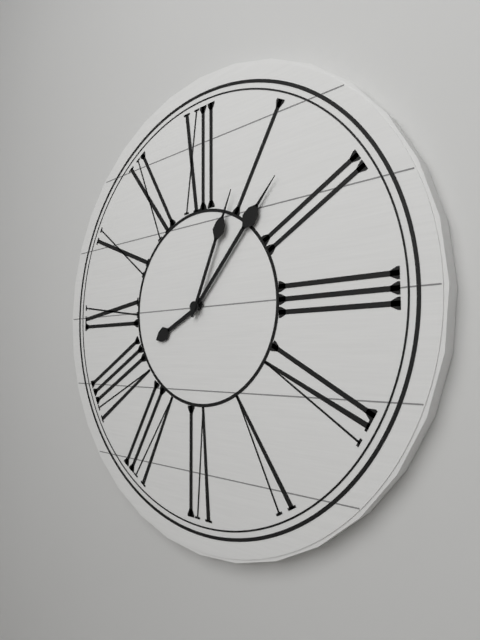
{"hour": 8, "minute": 7, "second": 4}
